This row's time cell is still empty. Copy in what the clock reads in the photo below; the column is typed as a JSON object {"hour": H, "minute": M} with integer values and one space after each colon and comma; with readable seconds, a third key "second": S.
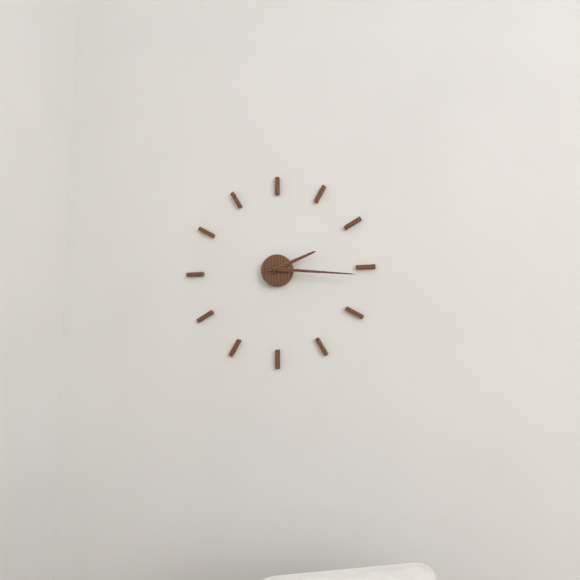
{"hour": 2, "minute": 16}
